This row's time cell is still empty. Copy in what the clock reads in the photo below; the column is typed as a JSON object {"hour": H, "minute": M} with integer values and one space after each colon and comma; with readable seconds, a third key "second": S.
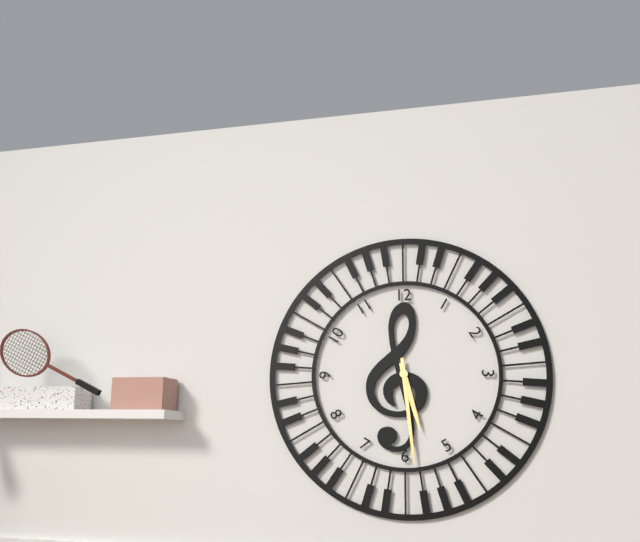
{"hour": 5, "minute": 29}
